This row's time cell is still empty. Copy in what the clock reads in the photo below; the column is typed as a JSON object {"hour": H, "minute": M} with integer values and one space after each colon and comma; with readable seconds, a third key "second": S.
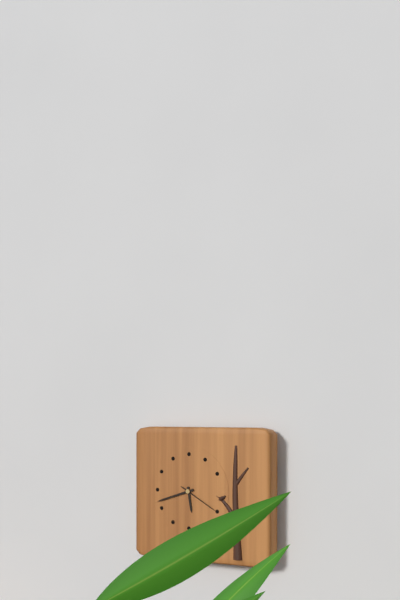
{"hour": 5, "minute": 42}
